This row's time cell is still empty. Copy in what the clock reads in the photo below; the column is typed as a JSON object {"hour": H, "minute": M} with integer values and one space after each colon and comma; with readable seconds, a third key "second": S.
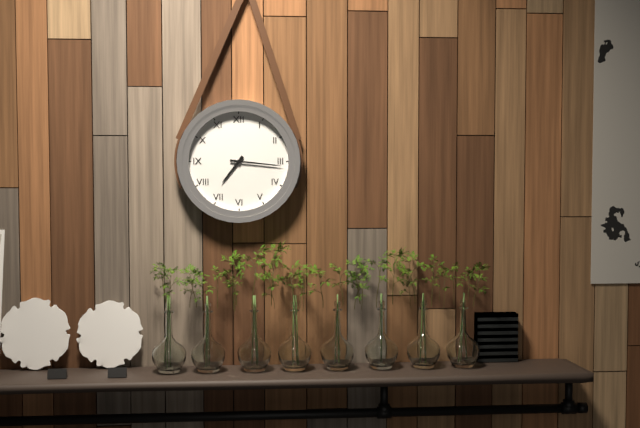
{"hour": 7, "minute": 16}
